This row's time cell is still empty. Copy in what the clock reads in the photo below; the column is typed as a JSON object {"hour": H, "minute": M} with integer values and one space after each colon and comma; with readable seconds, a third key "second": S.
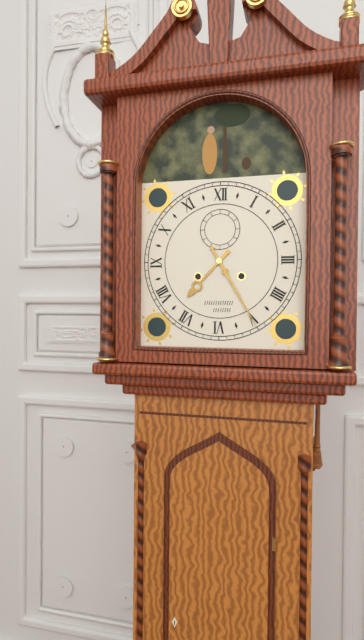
{"hour": 7, "minute": 25}
